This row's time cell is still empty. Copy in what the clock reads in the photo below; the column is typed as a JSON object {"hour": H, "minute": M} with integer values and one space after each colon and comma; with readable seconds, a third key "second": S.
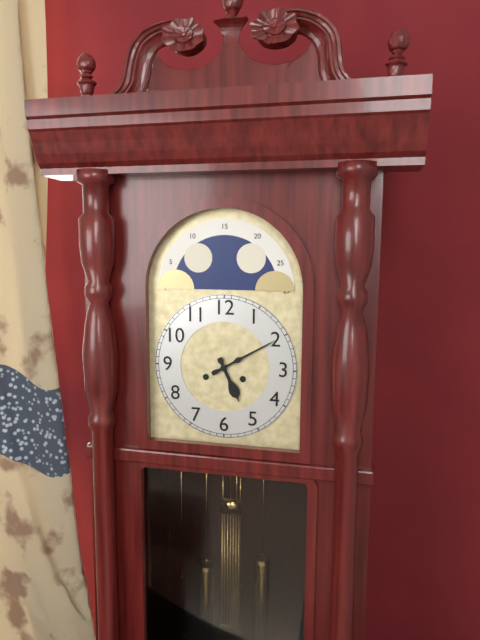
{"hour": 5, "minute": 10}
